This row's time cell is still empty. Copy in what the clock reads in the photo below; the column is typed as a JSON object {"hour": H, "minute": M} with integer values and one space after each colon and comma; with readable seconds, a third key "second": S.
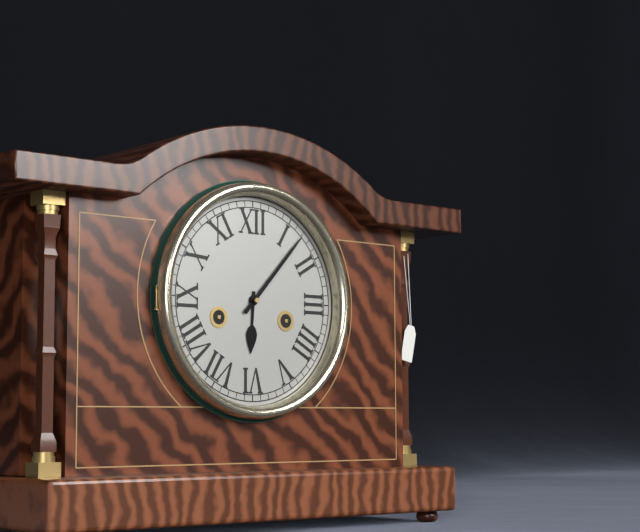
{"hour": 6, "minute": 7}
